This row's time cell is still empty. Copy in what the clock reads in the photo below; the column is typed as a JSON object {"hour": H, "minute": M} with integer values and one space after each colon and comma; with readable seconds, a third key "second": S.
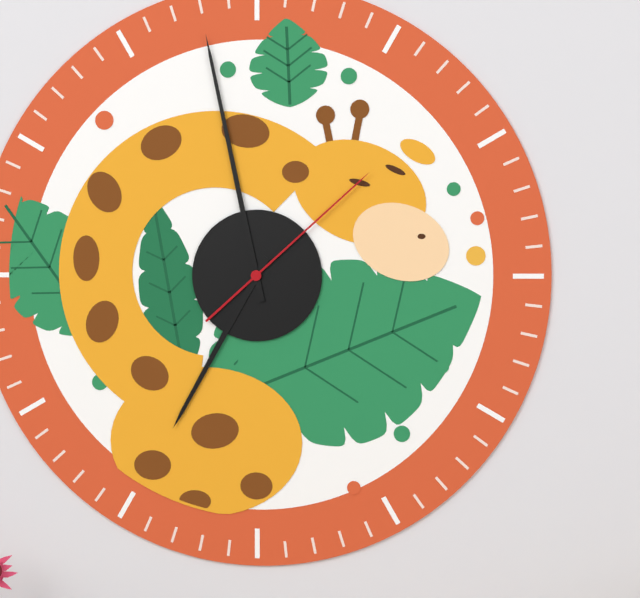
{"hour": 6, "minute": 58, "second": 8}
